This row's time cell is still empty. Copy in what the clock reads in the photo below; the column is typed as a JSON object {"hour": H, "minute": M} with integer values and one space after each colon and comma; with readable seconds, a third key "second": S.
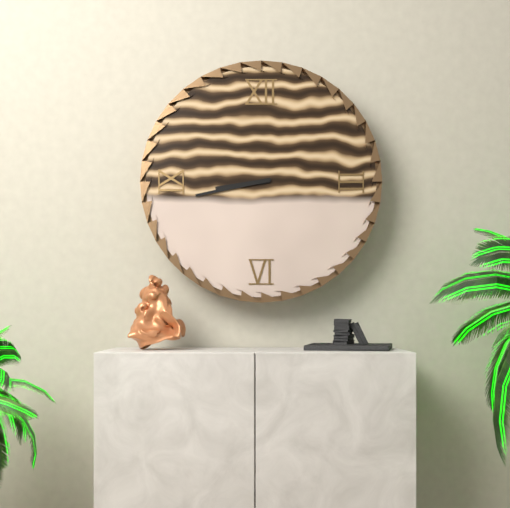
{"hour": 8, "minute": 43}
